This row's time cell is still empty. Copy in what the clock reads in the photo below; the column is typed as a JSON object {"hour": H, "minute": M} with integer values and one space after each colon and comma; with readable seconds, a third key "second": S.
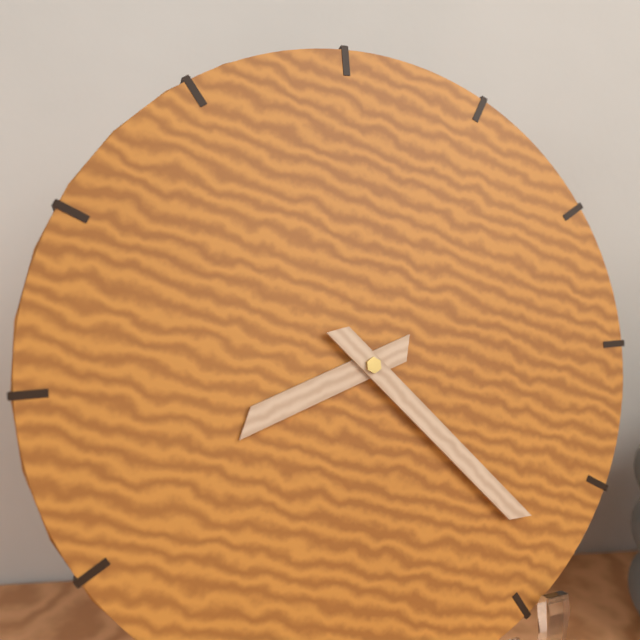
{"hour": 8, "minute": 23}
